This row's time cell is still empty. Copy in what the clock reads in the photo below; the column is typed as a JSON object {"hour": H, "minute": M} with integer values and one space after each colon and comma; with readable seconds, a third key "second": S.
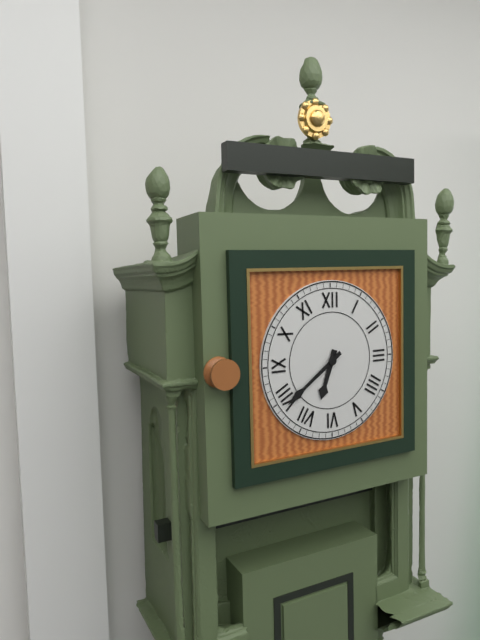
{"hour": 6, "minute": 39}
